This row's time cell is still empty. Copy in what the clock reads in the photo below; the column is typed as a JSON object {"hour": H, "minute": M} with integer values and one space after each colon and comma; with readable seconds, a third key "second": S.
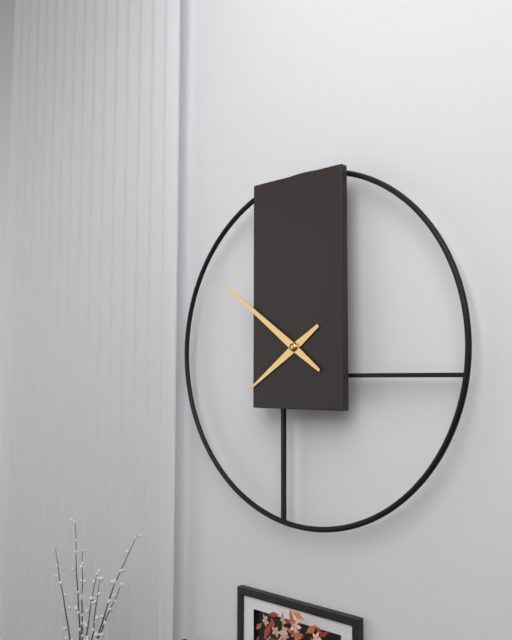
{"hour": 7, "minute": 51}
